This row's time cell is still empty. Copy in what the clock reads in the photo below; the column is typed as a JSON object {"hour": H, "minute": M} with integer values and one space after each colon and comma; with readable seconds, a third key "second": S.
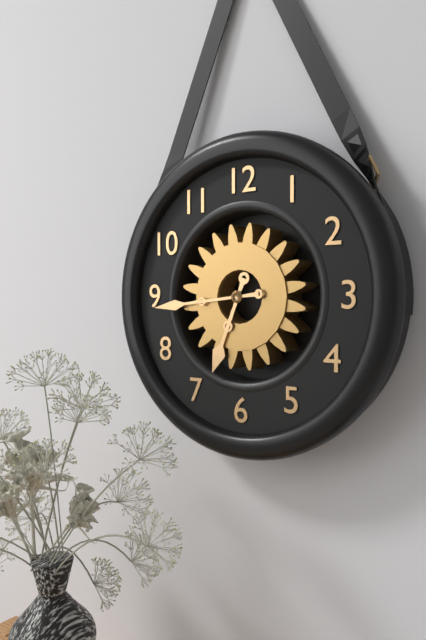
{"hour": 6, "minute": 44}
